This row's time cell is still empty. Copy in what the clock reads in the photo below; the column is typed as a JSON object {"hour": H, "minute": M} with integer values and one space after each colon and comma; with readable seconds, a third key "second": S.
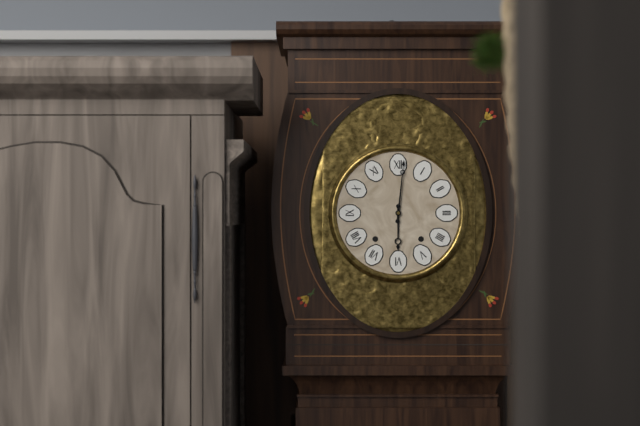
{"hour": 6, "minute": 1}
